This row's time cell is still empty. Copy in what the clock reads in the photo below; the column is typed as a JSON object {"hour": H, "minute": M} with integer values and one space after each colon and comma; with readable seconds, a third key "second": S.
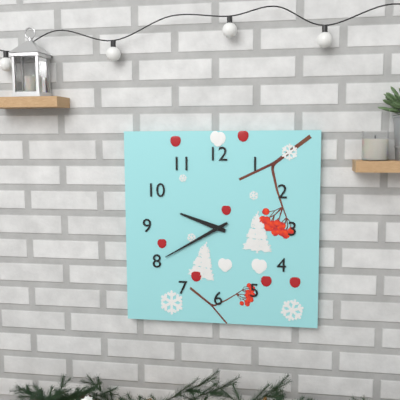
{"hour": 9, "minute": 40}
